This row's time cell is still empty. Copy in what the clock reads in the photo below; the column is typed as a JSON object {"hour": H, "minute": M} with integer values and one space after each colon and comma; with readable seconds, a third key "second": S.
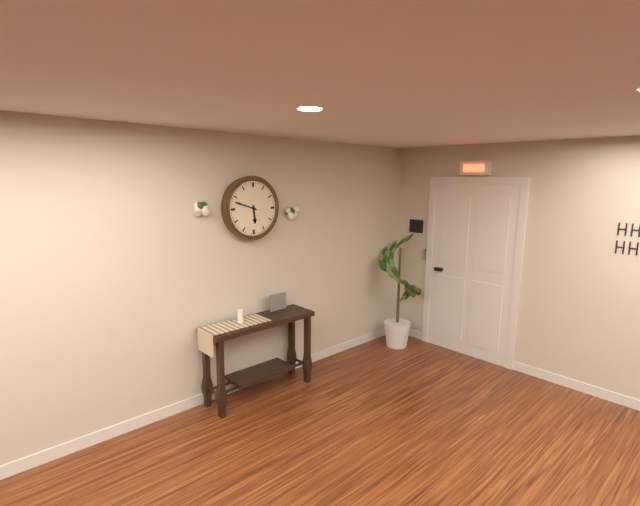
{"hour": 5, "minute": 48}
